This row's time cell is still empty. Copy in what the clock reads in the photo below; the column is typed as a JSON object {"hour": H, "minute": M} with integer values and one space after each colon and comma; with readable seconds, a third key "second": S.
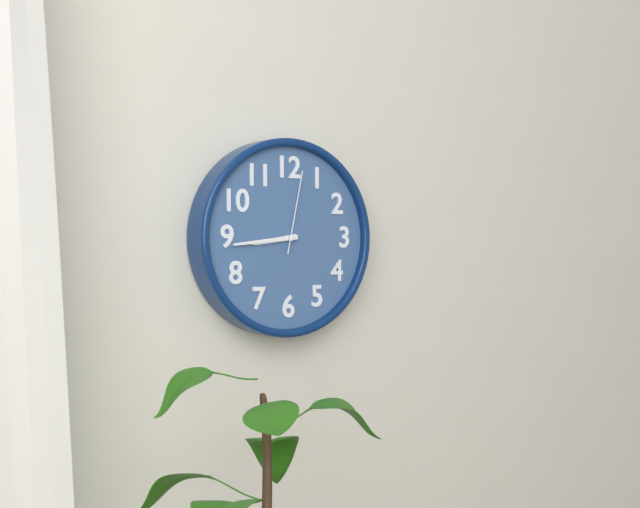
{"hour": 8, "minute": 44, "second": 2}
